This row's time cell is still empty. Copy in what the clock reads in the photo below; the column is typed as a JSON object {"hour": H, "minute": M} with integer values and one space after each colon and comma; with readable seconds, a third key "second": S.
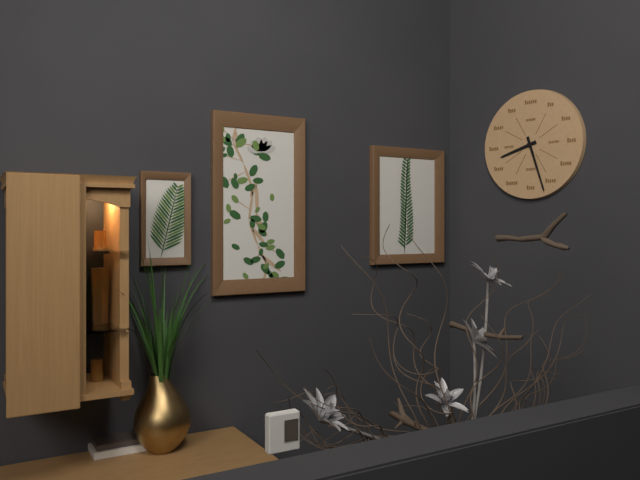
{"hour": 8, "minute": 27}
